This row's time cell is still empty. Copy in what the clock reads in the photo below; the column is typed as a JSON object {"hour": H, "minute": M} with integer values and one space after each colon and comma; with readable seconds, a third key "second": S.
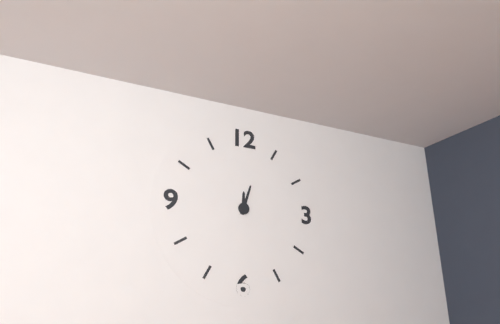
{"hour": 12, "minute": 3}
